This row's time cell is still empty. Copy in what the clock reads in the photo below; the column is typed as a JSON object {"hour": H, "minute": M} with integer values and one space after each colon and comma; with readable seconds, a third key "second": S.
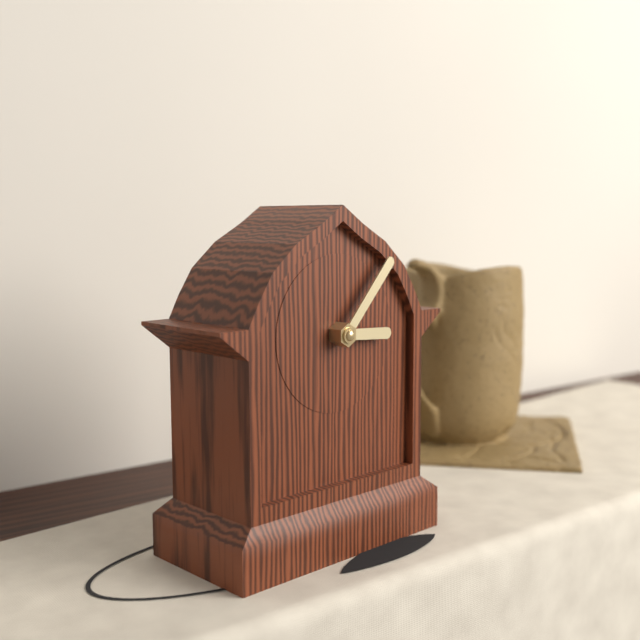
{"hour": 3, "minute": 7}
